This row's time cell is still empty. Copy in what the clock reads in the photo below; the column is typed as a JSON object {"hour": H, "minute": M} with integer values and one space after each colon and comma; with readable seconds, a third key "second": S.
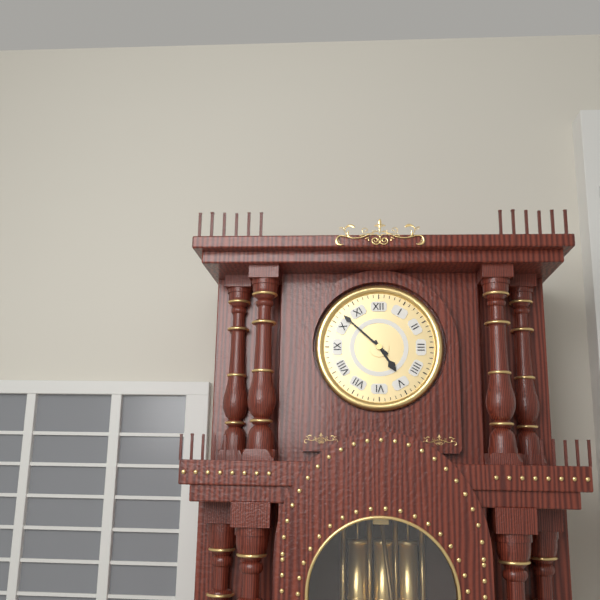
{"hour": 4, "minute": 52}
